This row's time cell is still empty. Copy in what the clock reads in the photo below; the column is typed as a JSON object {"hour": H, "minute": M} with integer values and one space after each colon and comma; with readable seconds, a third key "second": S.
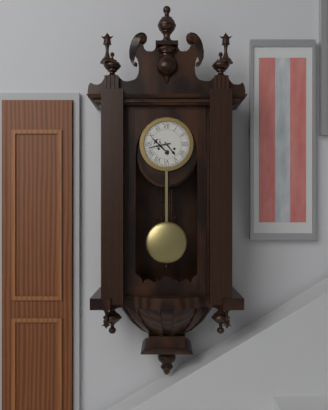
{"hour": 4, "minute": 43}
